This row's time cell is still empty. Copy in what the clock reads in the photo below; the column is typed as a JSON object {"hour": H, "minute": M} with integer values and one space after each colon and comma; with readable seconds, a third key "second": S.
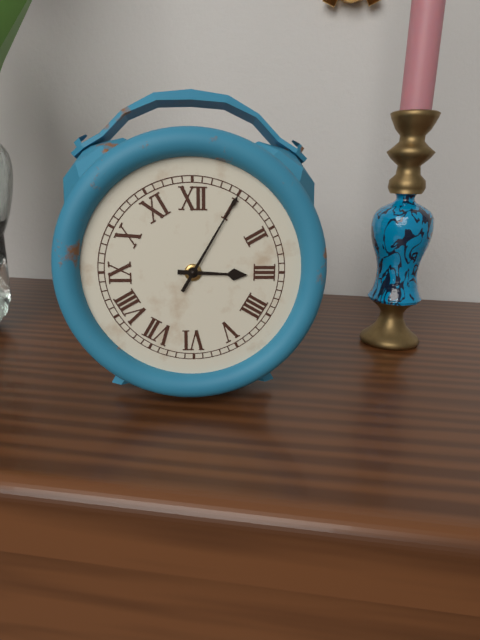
{"hour": 3, "minute": 5}
